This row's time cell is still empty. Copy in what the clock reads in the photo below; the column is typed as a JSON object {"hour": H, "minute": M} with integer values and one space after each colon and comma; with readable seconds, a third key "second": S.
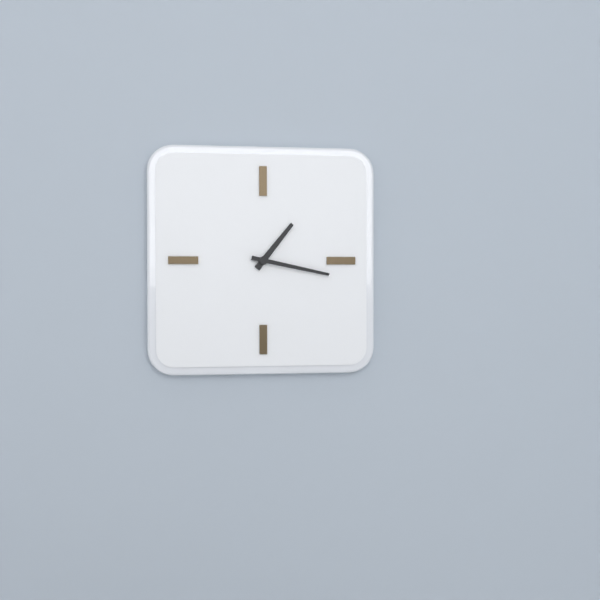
{"hour": 1, "minute": 17}
